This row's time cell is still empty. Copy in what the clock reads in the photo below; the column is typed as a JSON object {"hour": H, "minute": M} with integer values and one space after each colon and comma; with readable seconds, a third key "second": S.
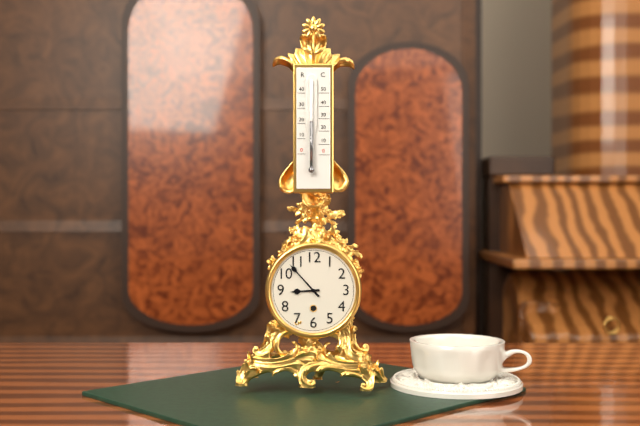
{"hour": 8, "minute": 53}
